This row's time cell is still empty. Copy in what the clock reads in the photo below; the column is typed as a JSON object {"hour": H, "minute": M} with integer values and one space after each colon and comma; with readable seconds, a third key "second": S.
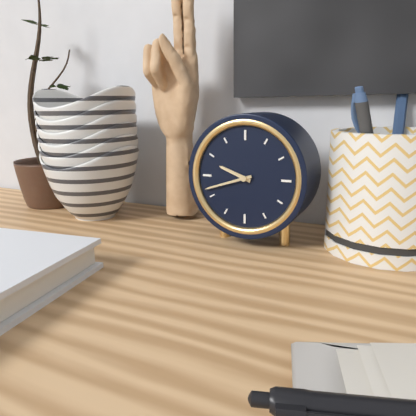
{"hour": 9, "minute": 42}
